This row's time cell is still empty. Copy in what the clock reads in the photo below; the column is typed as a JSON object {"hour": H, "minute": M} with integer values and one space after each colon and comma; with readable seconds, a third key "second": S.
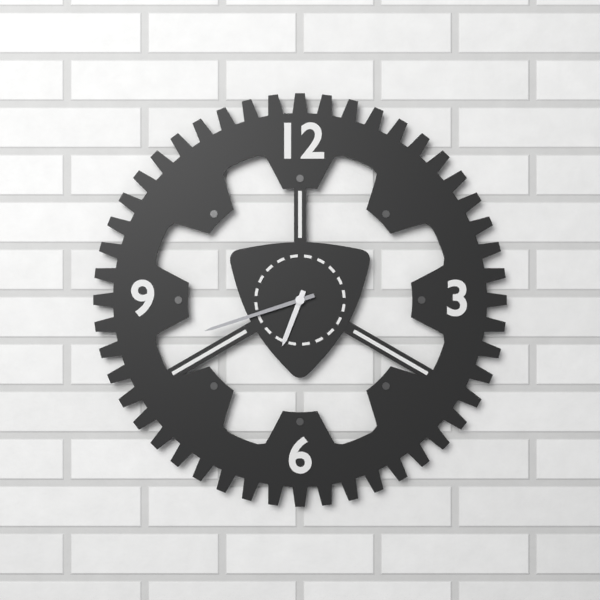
{"hour": 6, "minute": 42}
